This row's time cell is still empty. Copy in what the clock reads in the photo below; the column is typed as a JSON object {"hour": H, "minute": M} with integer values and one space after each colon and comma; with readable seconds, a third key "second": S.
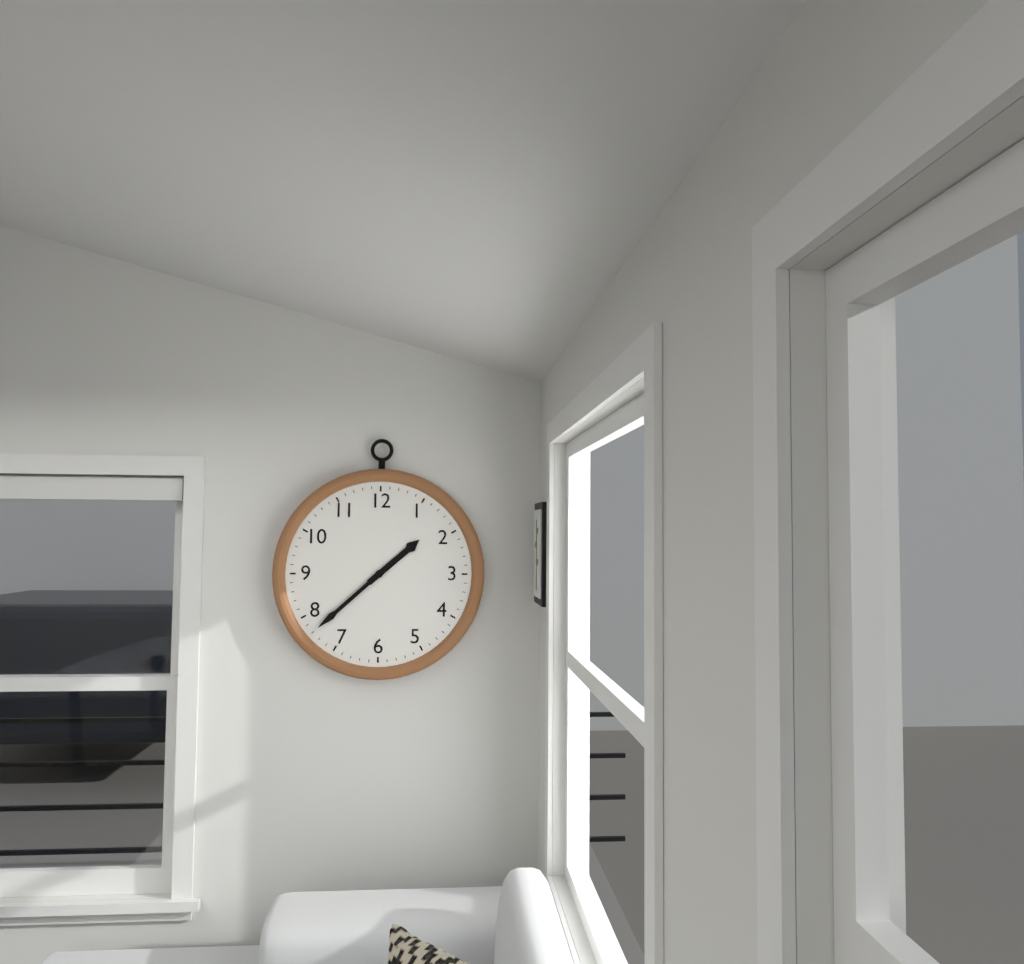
{"hour": 1, "minute": 38}
